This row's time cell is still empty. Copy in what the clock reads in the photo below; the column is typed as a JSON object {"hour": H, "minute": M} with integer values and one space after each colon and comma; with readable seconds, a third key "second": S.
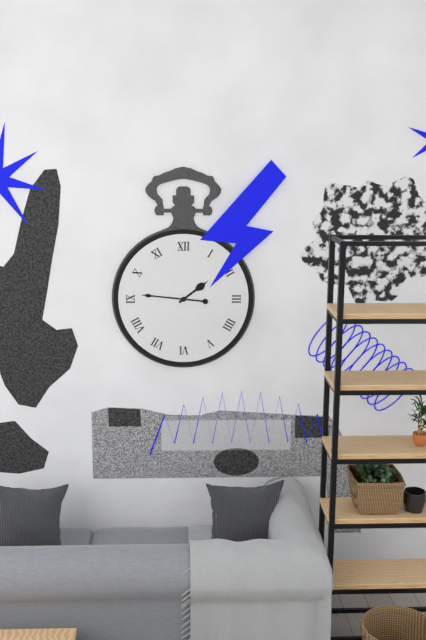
{"hour": 1, "minute": 46}
